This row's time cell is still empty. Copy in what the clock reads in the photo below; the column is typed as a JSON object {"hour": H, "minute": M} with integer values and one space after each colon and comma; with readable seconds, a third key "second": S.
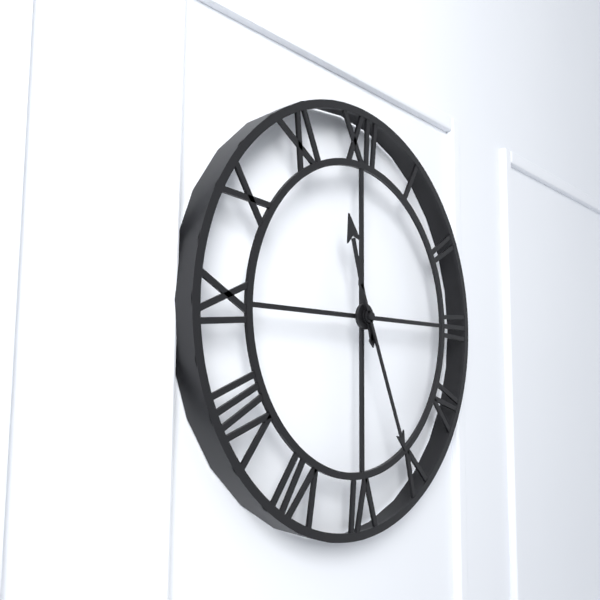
{"hour": 11, "minute": 26}
